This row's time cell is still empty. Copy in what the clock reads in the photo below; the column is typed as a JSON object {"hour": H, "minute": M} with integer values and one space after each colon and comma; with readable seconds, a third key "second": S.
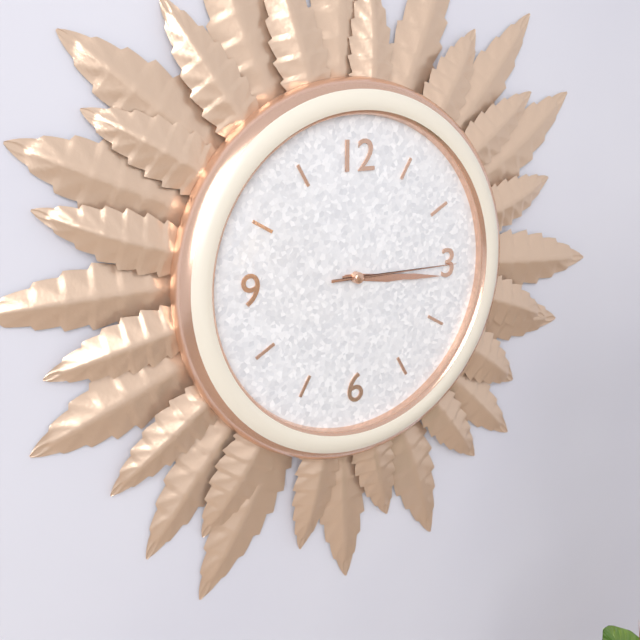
{"hour": 3, "minute": 16, "second": 15}
